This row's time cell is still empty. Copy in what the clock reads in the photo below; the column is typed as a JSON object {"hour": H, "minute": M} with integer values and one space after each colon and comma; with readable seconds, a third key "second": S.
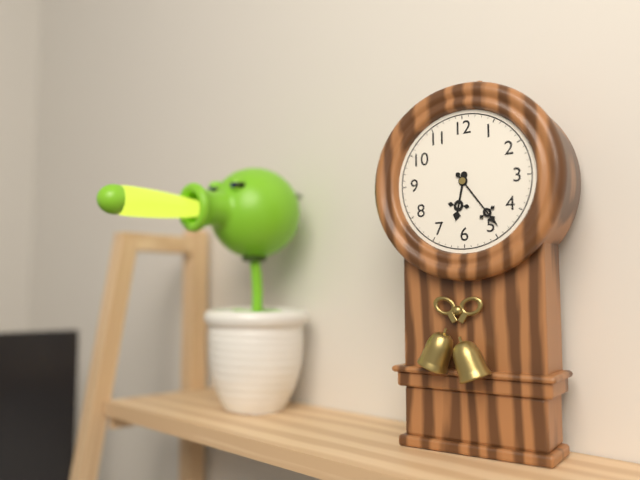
{"hour": 6, "minute": 24}
